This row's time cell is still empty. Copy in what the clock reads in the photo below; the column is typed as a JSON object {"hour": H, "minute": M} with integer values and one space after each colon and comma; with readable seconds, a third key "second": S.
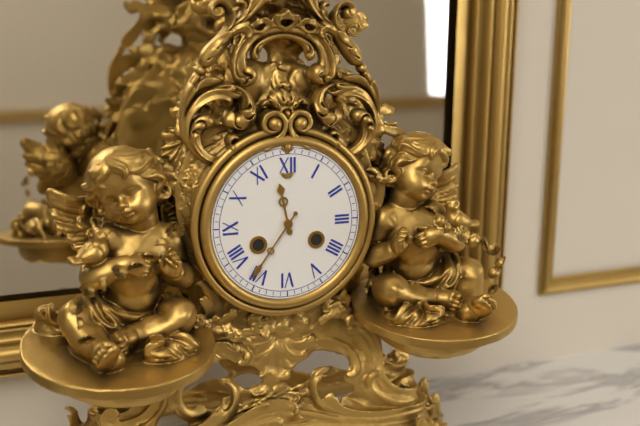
{"hour": 11, "minute": 36}
